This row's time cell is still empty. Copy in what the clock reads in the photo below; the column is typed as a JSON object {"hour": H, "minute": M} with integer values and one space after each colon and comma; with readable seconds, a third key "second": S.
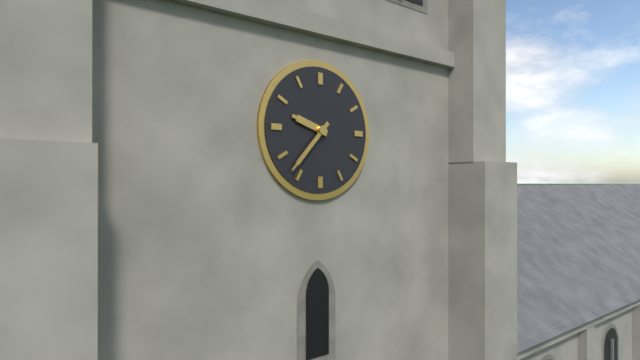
{"hour": 9, "minute": 37}
